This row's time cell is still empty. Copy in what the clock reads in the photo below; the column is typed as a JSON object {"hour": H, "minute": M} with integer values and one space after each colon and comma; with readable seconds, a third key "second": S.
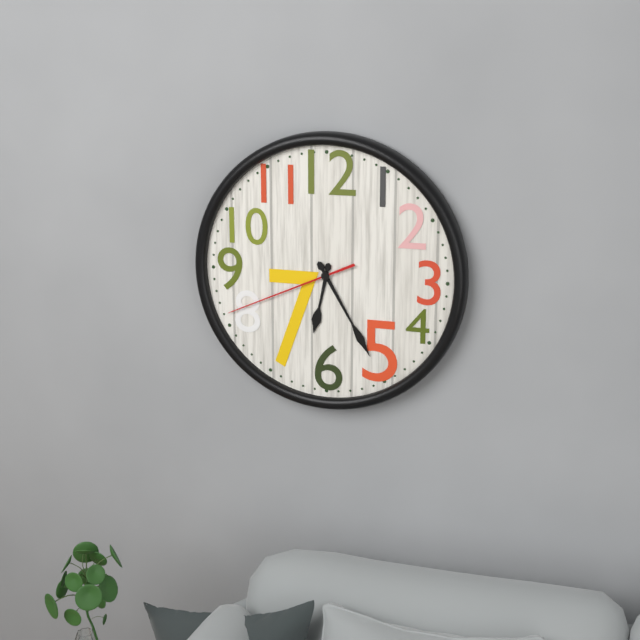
{"hour": 6, "minute": 25, "second": 41}
